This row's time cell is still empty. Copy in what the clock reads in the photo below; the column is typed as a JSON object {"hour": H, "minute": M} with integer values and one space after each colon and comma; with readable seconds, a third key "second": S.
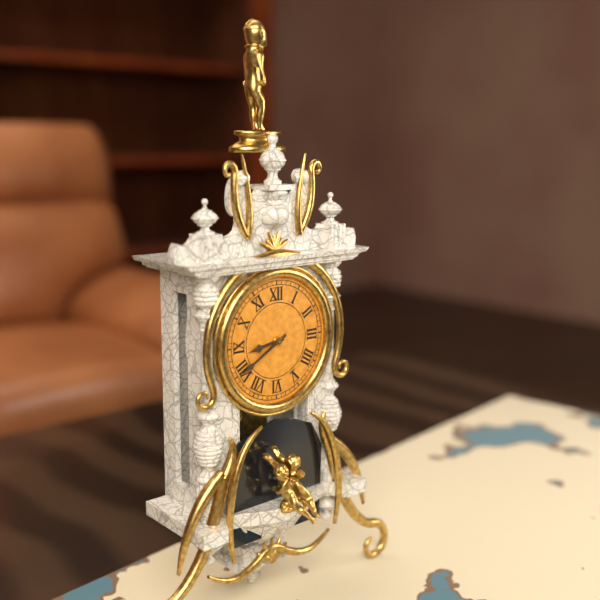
{"hour": 8, "minute": 40}
